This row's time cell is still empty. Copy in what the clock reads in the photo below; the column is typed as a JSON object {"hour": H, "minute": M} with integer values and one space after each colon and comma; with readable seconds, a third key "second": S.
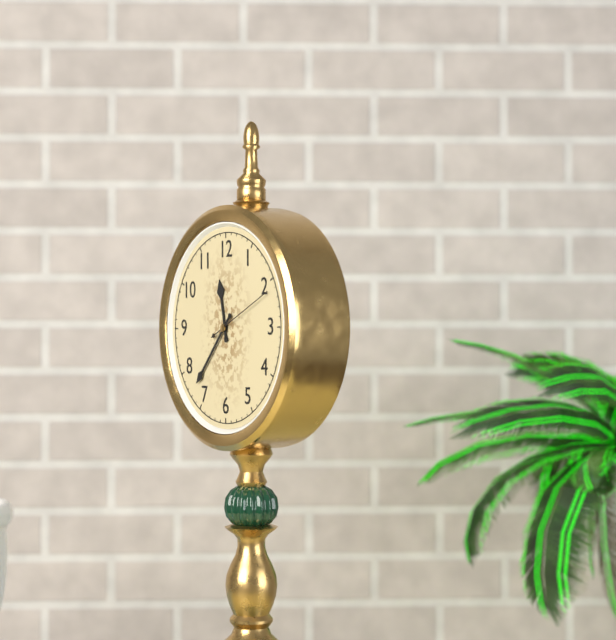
{"hour": 11, "minute": 37, "second": 11}
